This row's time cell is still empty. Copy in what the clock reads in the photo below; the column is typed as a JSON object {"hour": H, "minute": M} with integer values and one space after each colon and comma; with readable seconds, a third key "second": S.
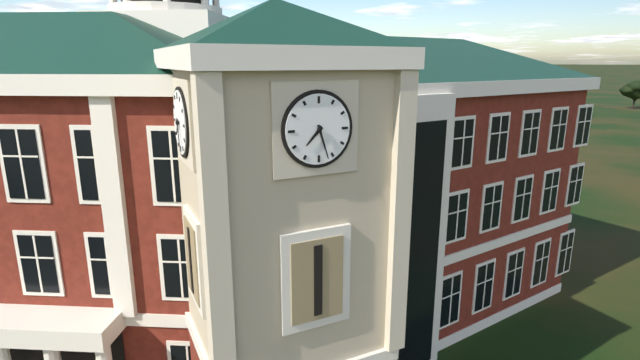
{"hour": 7, "minute": 27}
